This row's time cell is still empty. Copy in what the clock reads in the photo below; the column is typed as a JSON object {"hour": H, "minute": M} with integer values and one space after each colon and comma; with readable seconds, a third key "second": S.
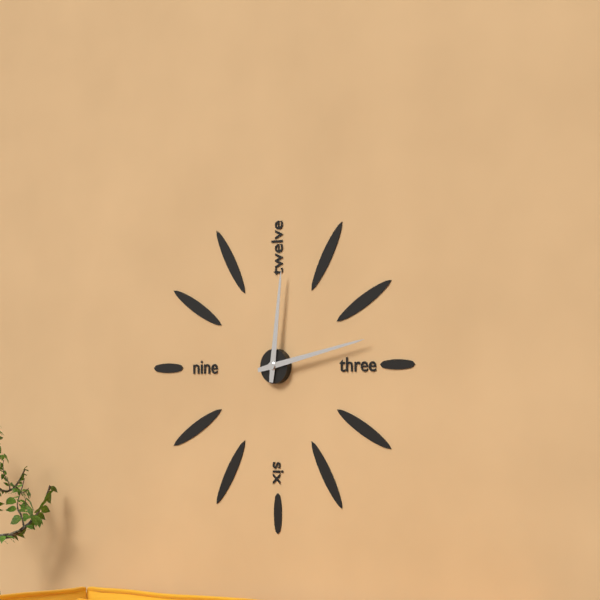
{"hour": 12, "minute": 13}
